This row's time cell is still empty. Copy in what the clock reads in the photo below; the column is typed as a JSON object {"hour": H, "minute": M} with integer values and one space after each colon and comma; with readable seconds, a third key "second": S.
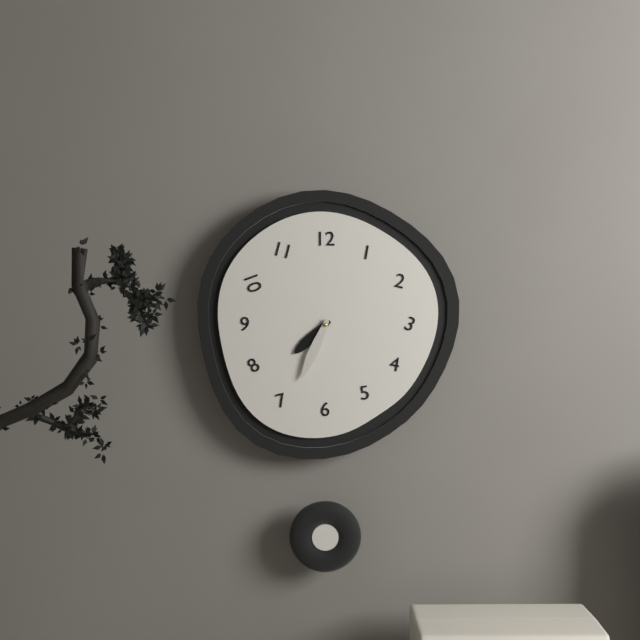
{"hour": 7, "minute": 34}
